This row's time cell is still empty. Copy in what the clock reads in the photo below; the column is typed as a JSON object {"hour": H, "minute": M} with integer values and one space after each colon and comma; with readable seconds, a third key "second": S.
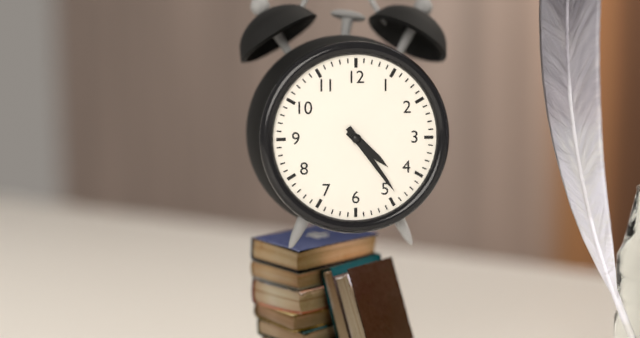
{"hour": 4, "minute": 24}
